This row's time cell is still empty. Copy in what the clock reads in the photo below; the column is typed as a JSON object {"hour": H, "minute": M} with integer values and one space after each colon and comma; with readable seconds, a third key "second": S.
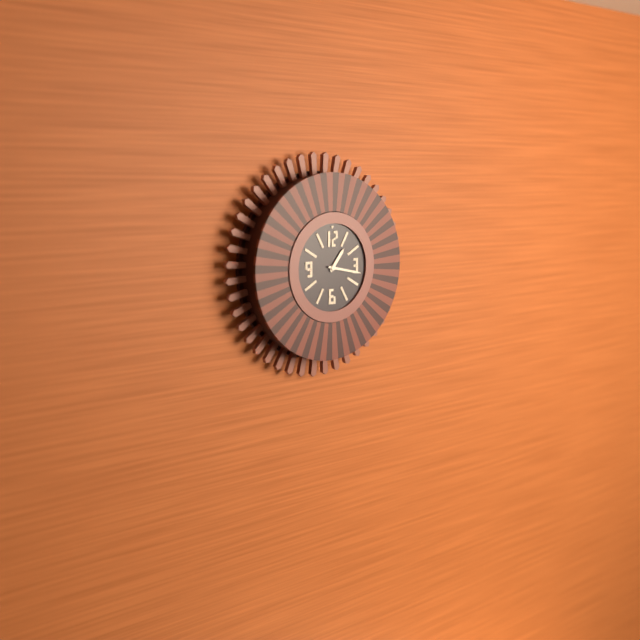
{"hour": 1, "minute": 17}
